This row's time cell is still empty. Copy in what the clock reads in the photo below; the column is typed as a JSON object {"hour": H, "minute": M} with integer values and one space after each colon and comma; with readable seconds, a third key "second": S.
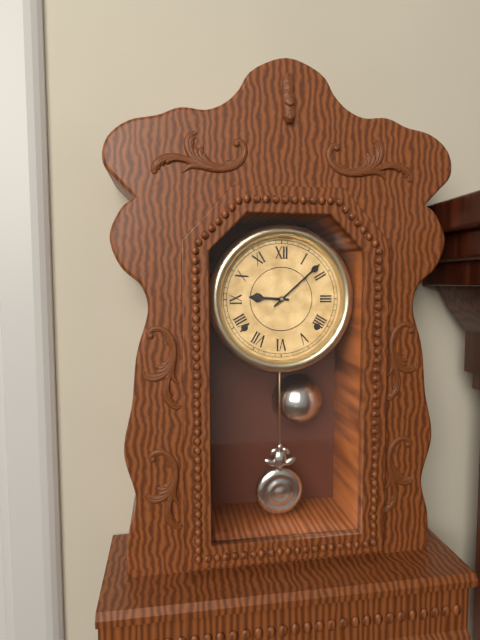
{"hour": 9, "minute": 8}
